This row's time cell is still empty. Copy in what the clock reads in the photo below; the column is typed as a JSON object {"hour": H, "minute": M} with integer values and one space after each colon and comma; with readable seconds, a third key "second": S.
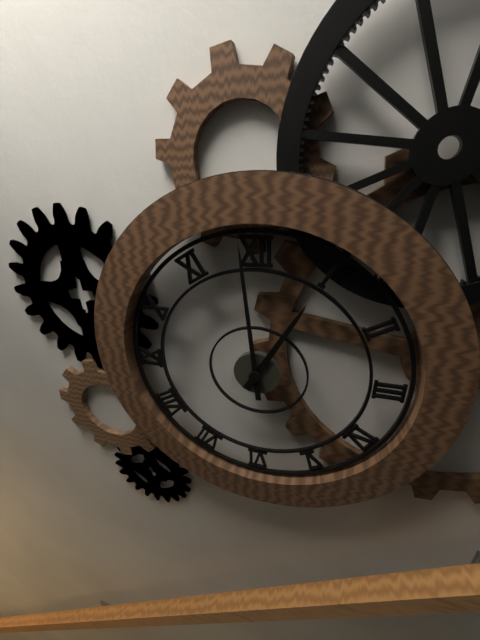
{"hour": 12, "minute": 59}
